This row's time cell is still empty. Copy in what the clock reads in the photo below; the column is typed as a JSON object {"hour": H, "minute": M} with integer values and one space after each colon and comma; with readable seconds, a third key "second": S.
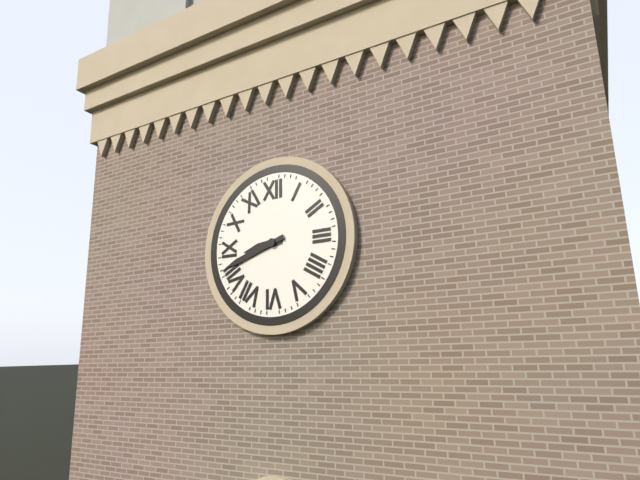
{"hour": 8, "minute": 42}
